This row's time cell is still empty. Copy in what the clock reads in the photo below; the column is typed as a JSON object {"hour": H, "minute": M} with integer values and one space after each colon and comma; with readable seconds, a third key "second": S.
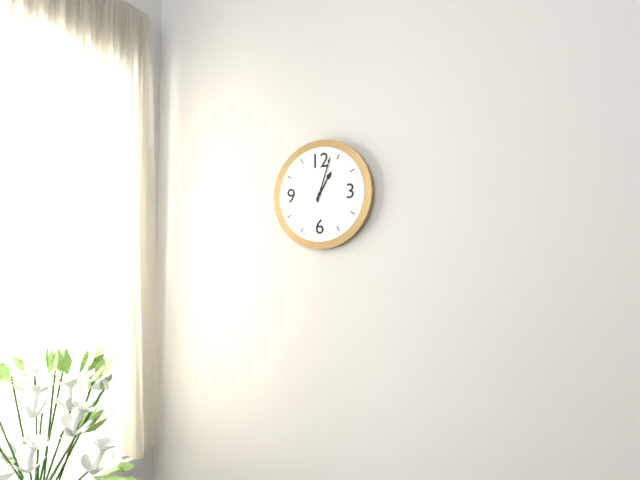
{"hour": 1, "minute": 3}
